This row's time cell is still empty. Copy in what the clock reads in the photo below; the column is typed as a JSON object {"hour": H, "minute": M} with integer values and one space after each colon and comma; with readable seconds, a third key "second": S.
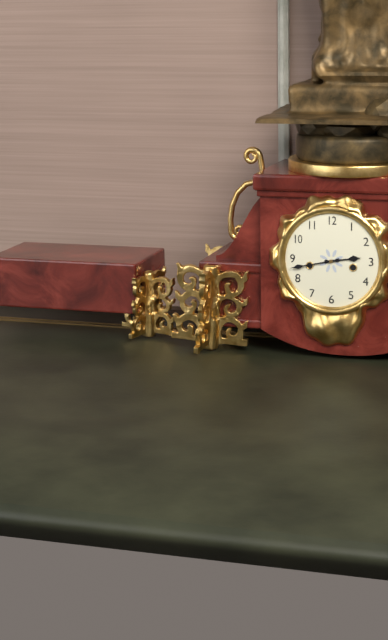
{"hour": 2, "minute": 43}
